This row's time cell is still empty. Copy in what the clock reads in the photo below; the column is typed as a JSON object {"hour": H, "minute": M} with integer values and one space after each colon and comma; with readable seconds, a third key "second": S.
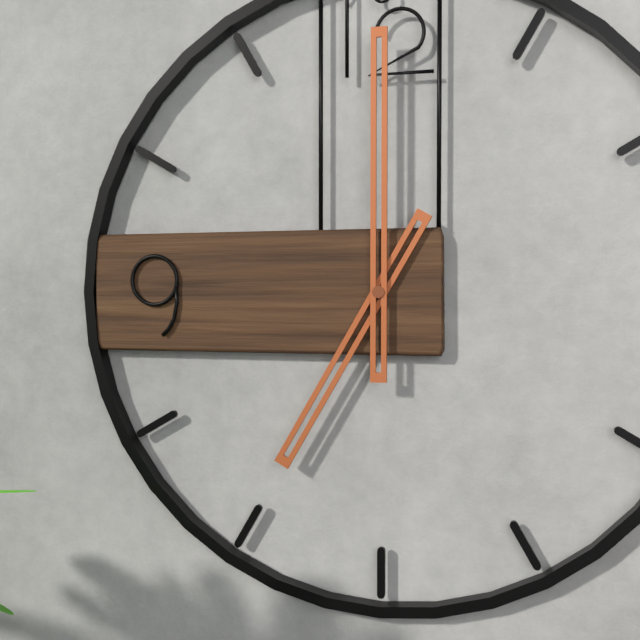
{"hour": 7, "minute": 0}
